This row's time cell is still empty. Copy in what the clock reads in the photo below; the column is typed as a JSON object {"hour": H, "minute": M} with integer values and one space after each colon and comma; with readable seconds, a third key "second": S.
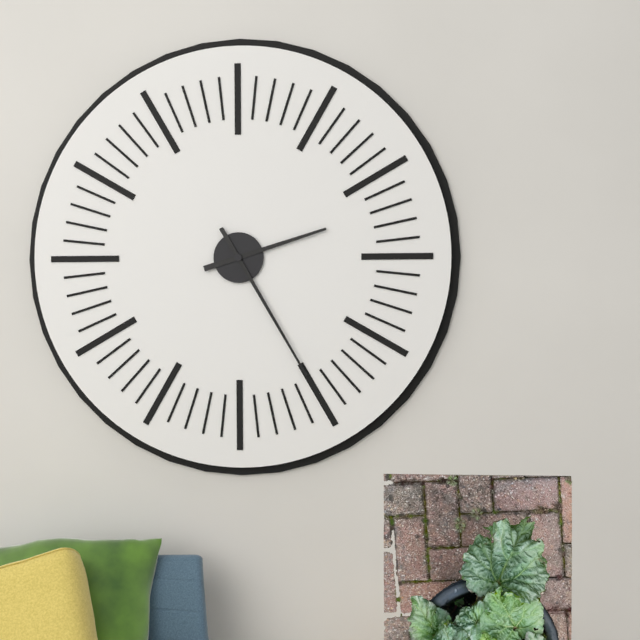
{"hour": 2, "minute": 25}
